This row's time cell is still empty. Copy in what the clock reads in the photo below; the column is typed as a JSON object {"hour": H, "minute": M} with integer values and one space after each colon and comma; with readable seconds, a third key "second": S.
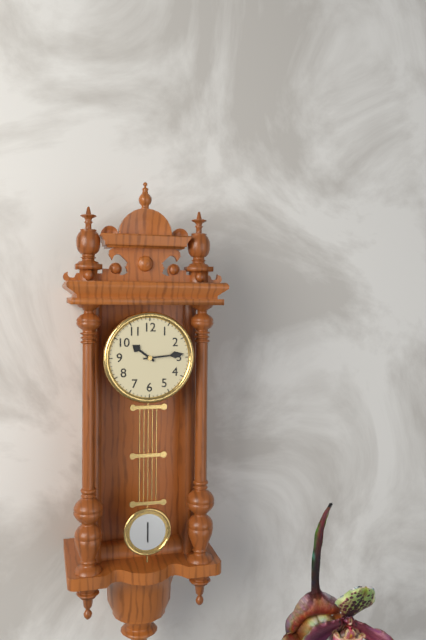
{"hour": 10, "minute": 14}
